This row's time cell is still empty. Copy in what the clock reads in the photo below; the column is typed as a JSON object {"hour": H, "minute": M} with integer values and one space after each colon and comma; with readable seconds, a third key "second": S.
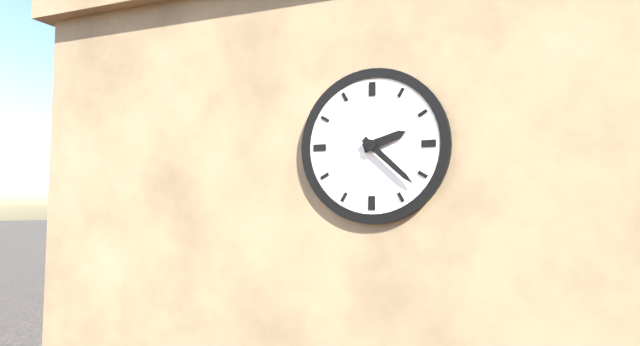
{"hour": 2, "minute": 22}
